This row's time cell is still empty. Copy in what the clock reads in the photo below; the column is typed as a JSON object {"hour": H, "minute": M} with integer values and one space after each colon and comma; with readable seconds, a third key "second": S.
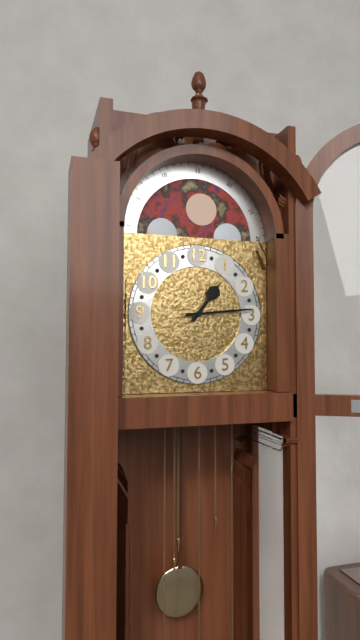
{"hour": 1, "minute": 14}
